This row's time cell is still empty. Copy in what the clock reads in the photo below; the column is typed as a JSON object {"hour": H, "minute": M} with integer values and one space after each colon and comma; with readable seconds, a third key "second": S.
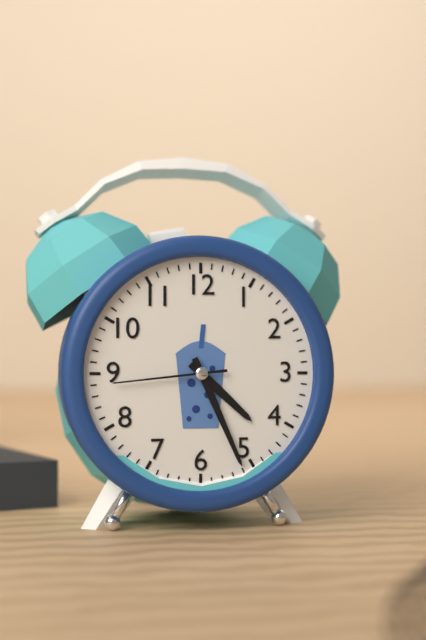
{"hour": 4, "minute": 26, "second": 44}
